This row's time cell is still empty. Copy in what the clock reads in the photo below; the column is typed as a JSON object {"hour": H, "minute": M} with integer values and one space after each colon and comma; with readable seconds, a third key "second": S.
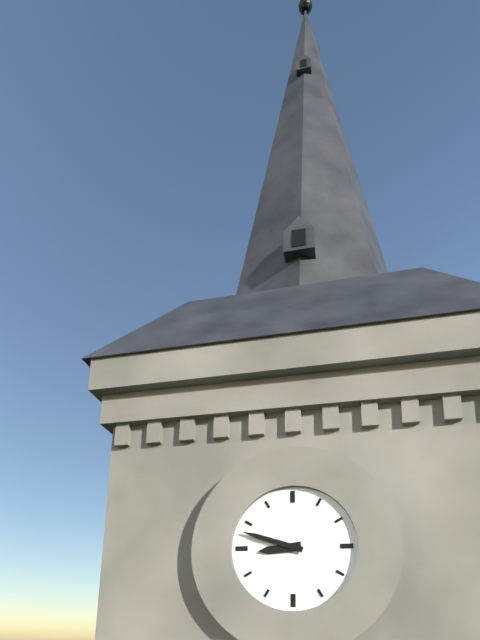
{"hour": 8, "minute": 48}
